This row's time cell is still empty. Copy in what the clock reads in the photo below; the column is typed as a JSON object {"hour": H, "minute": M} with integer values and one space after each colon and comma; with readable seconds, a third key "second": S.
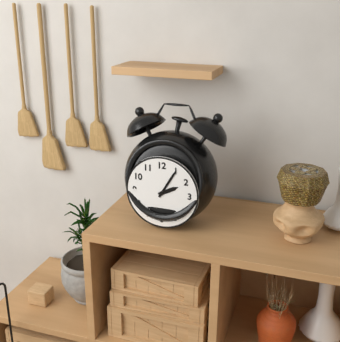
{"hour": 2, "minute": 5}
